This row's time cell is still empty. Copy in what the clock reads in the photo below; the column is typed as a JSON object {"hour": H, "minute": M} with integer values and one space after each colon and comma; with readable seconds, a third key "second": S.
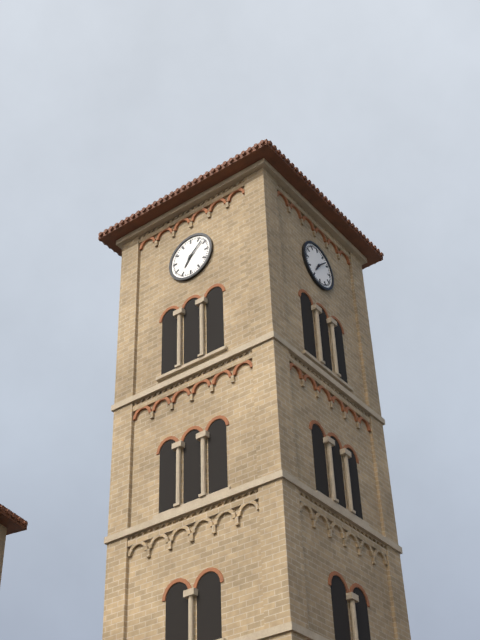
{"hour": 7, "minute": 8}
